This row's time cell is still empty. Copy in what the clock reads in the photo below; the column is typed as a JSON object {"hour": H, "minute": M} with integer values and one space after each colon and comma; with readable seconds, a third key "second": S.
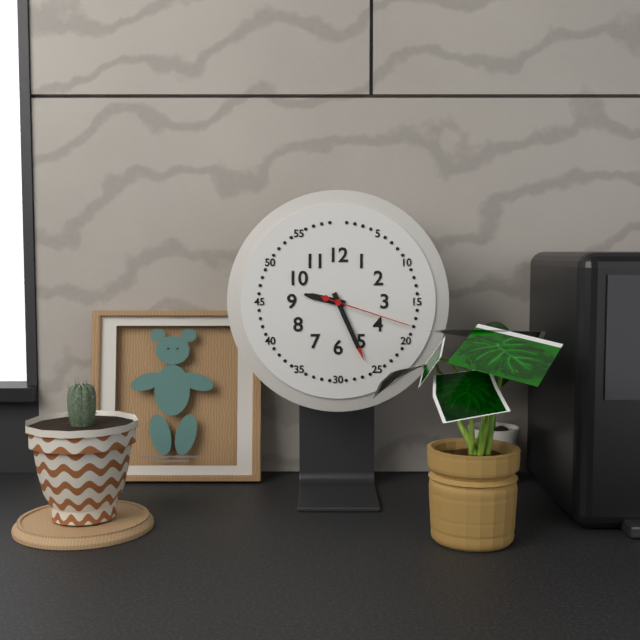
{"hour": 9, "minute": 26, "second": 18}
